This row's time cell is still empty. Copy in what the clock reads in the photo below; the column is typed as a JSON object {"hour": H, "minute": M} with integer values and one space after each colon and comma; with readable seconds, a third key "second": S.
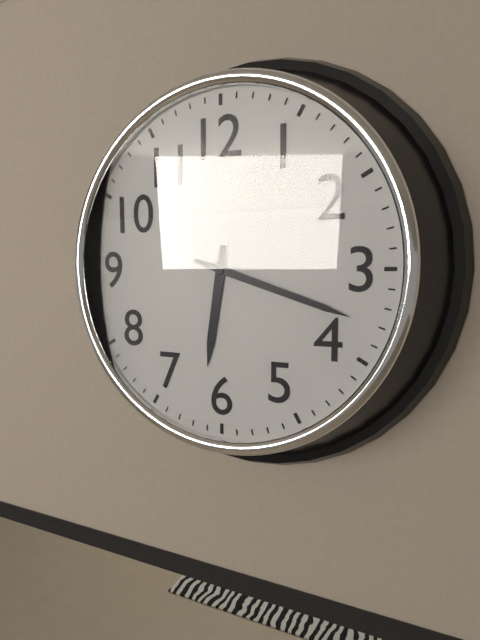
{"hour": 6, "minute": 18}
